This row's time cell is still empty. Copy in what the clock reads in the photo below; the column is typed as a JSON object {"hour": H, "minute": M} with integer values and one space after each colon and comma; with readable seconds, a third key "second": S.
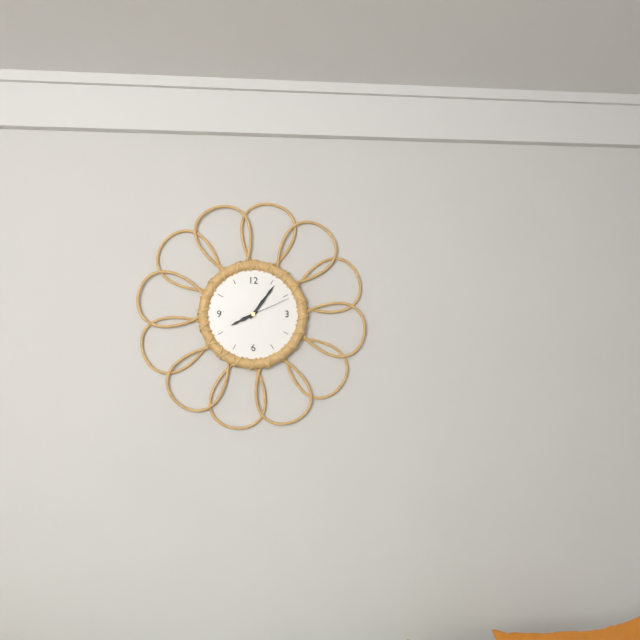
{"hour": 8, "minute": 6}
